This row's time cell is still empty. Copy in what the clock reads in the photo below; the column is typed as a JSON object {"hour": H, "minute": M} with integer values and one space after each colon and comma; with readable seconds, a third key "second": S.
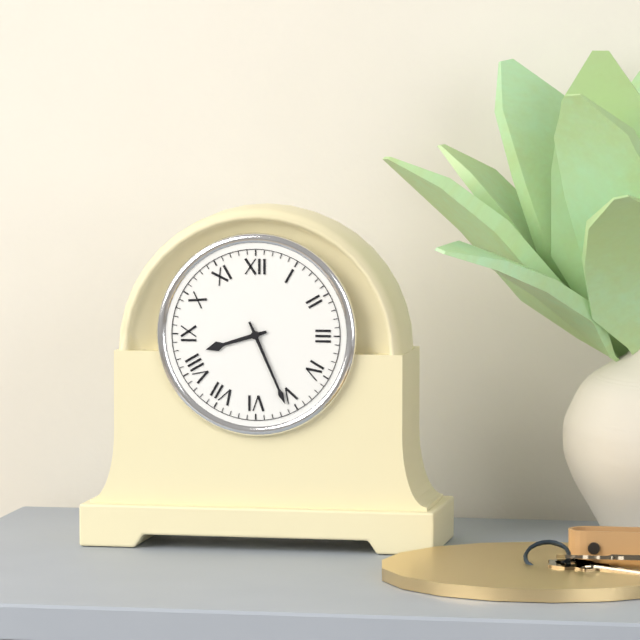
{"hour": 8, "minute": 26}
